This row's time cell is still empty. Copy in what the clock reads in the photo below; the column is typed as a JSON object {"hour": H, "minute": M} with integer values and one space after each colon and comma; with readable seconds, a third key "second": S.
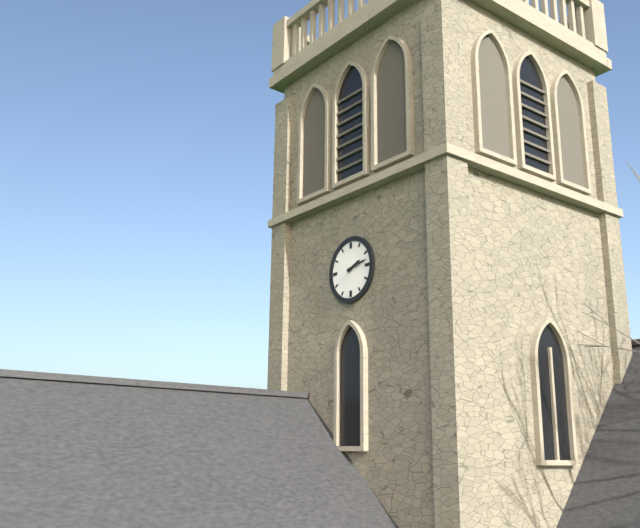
{"hour": 2, "minute": 13}
